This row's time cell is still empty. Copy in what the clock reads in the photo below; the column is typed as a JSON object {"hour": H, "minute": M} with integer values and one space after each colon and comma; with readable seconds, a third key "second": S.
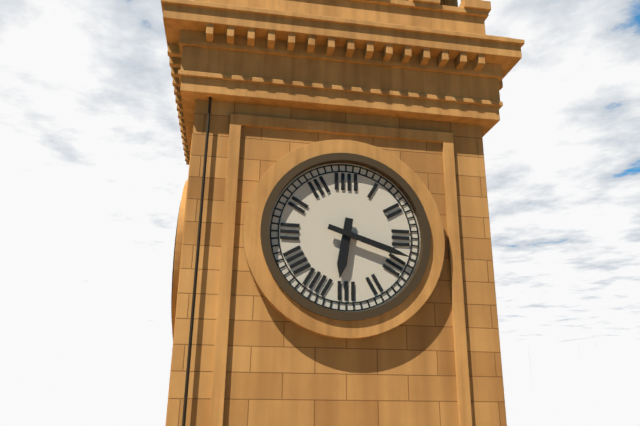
{"hour": 6, "minute": 18}
